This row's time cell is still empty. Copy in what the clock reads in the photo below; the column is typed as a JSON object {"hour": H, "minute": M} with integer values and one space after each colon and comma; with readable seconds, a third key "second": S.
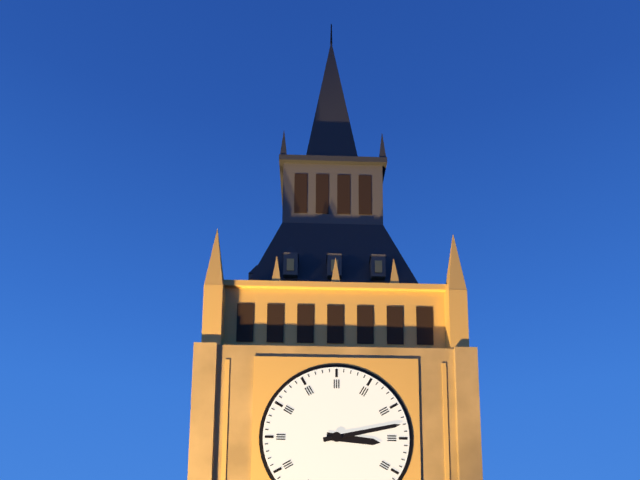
{"hour": 3, "minute": 13}
